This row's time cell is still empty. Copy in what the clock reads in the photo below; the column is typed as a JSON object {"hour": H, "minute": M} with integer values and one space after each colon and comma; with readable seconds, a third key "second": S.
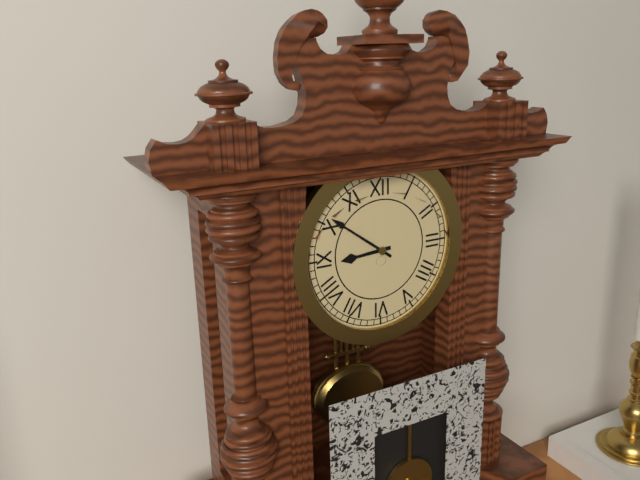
{"hour": 8, "minute": 51}
